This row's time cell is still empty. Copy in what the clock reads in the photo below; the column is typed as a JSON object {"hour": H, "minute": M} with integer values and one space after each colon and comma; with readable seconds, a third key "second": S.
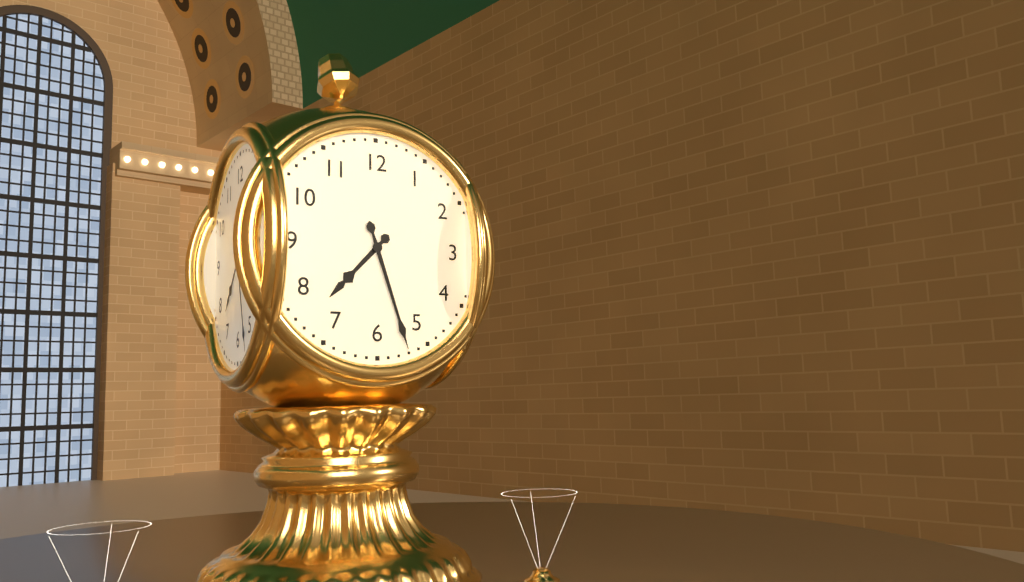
{"hour": 7, "minute": 27}
